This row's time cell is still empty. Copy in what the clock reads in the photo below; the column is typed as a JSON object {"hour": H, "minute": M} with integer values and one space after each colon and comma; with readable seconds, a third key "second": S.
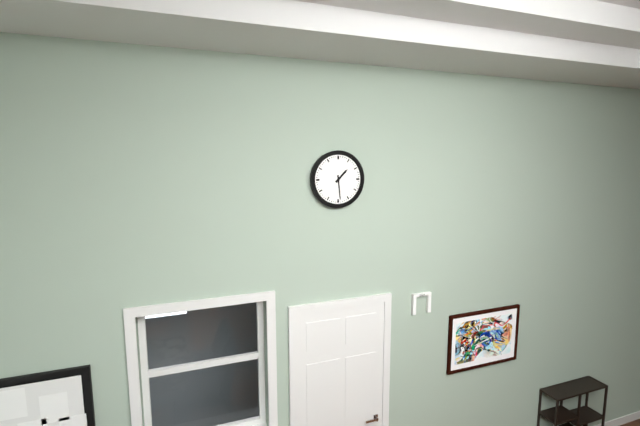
{"hour": 1, "minute": 29}
